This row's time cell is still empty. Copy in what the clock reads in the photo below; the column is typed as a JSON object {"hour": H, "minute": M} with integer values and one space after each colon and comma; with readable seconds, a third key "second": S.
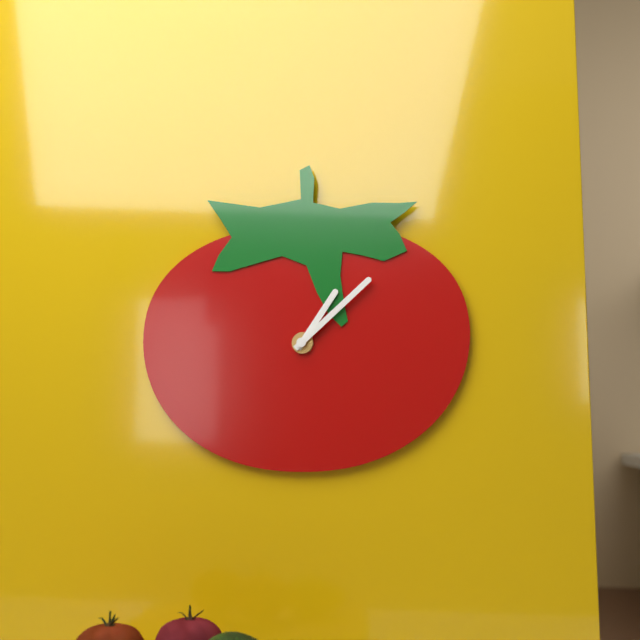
{"hour": 1, "minute": 8}
